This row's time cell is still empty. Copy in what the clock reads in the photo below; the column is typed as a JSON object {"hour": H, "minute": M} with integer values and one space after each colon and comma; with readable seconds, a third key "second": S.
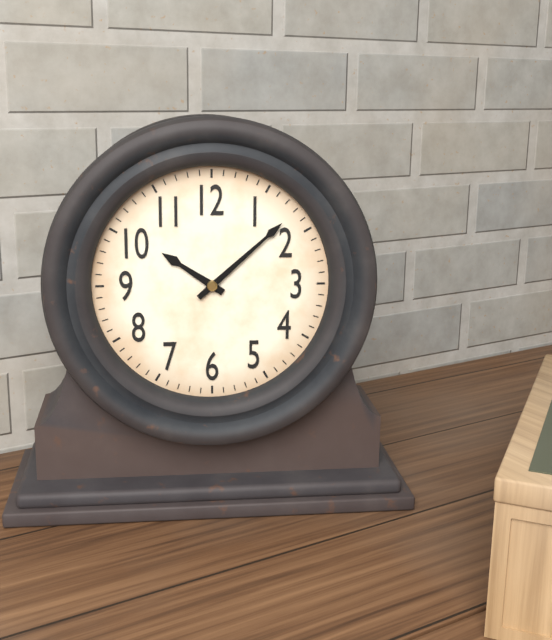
{"hour": 10, "minute": 8}
